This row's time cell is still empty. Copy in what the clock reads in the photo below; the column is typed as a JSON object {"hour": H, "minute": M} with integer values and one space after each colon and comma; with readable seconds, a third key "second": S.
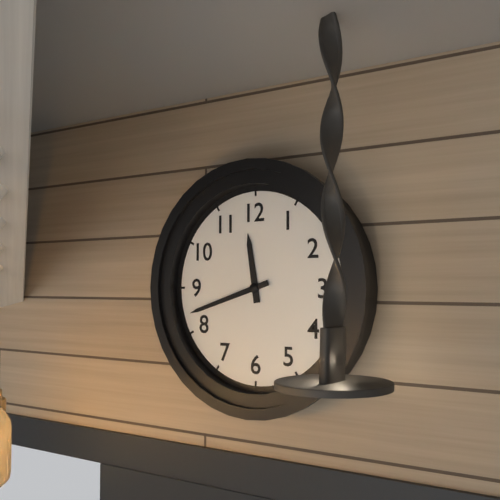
{"hour": 11, "minute": 42}
